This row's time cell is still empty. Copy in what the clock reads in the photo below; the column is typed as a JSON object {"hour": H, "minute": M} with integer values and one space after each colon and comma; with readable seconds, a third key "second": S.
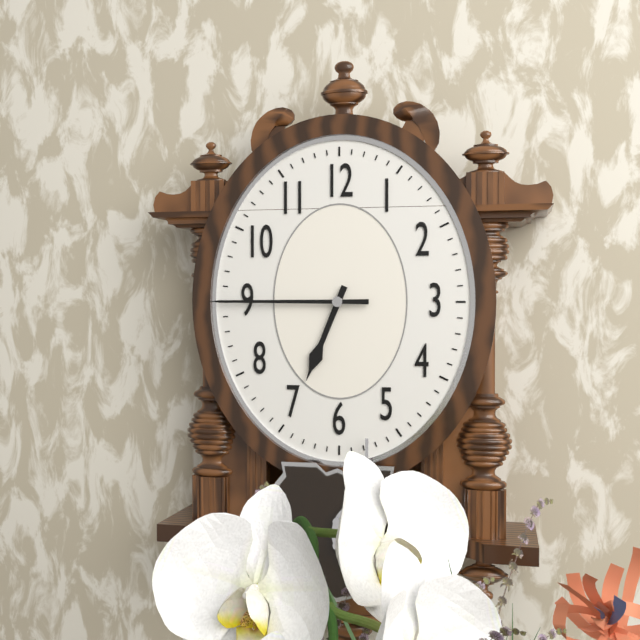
{"hour": 6, "minute": 45}
